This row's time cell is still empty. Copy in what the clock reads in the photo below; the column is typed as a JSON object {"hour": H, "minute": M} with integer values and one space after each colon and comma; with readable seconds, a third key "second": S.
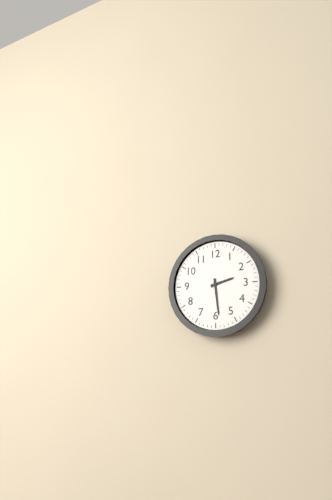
{"hour": 2, "minute": 29}
